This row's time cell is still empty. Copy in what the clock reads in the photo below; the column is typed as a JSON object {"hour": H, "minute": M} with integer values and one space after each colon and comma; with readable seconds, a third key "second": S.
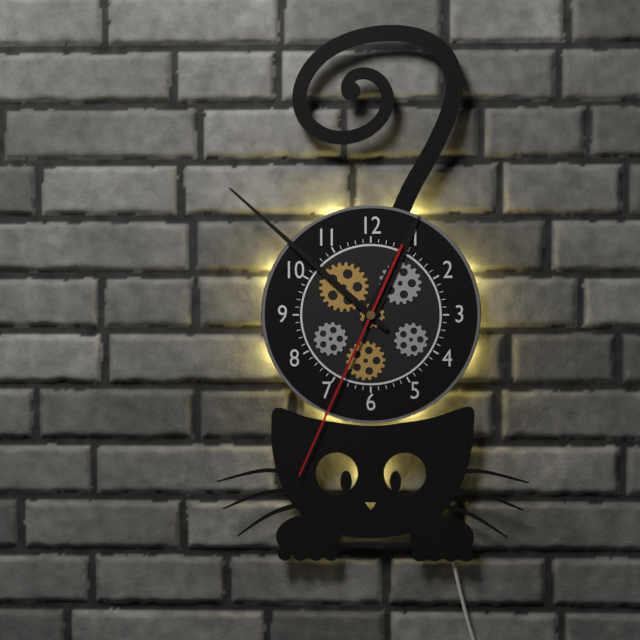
{"hour": 12, "minute": 52, "second": 34}
